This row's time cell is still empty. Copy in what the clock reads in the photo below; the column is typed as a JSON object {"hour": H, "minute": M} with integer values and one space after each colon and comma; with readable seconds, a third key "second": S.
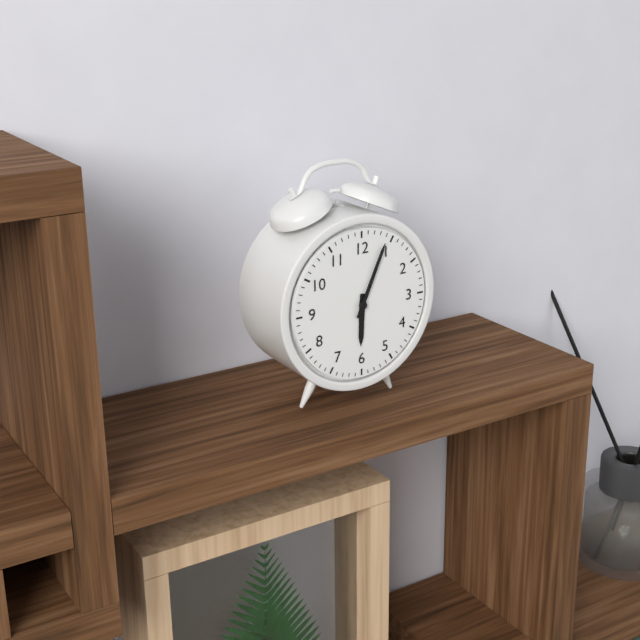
{"hour": 6, "minute": 4}
